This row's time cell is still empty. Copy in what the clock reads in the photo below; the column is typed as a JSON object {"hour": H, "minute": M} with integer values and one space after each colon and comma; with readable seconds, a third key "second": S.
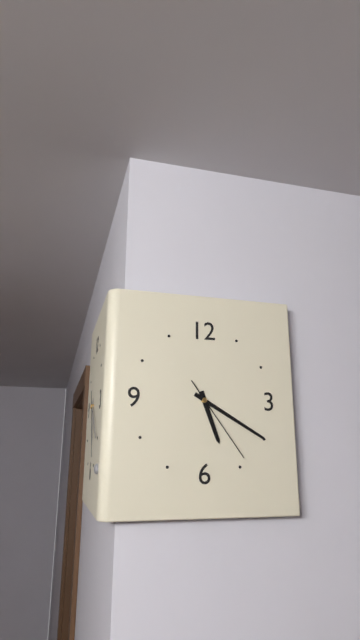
{"hour": 5, "minute": 20, "second": 24}
